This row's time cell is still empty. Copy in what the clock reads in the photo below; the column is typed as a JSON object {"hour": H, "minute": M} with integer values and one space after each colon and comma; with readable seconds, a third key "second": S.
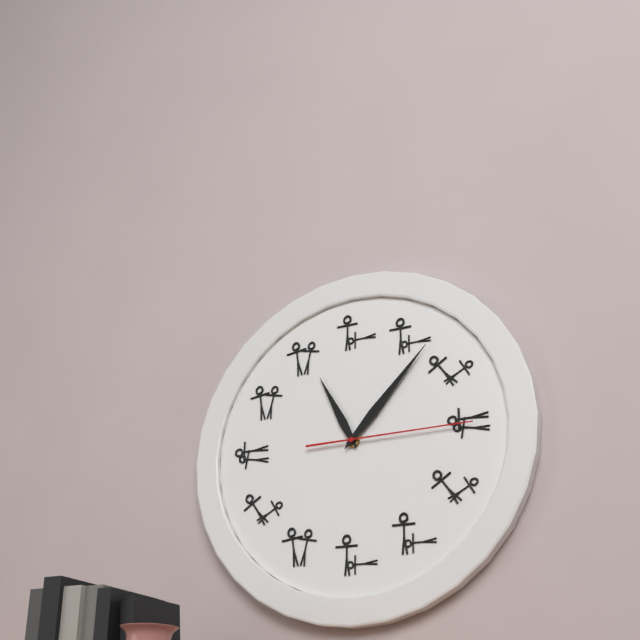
{"hour": 11, "minute": 7, "second": 15}
